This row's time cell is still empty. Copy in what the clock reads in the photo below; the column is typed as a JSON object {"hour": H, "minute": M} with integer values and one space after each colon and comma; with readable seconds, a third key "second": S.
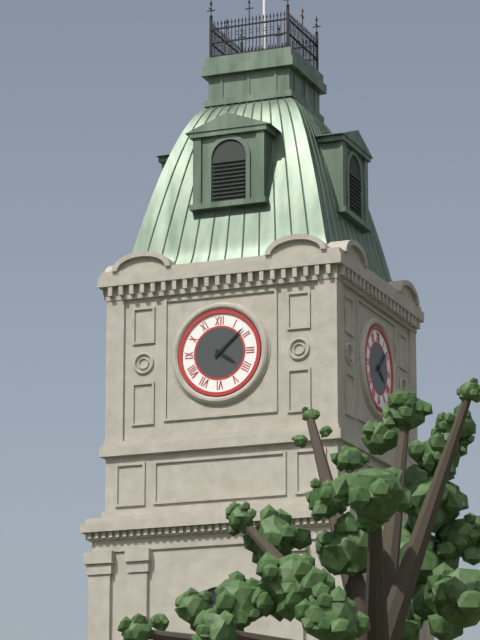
{"hour": 4, "minute": 8}
